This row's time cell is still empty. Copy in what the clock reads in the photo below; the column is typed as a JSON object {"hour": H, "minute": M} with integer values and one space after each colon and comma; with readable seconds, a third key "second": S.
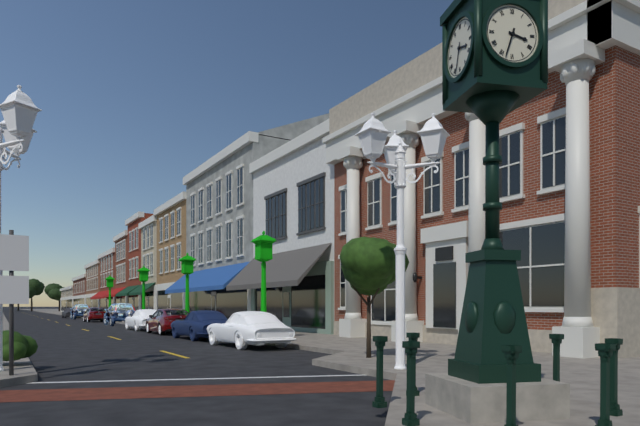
{"hour": 3, "minute": 33}
